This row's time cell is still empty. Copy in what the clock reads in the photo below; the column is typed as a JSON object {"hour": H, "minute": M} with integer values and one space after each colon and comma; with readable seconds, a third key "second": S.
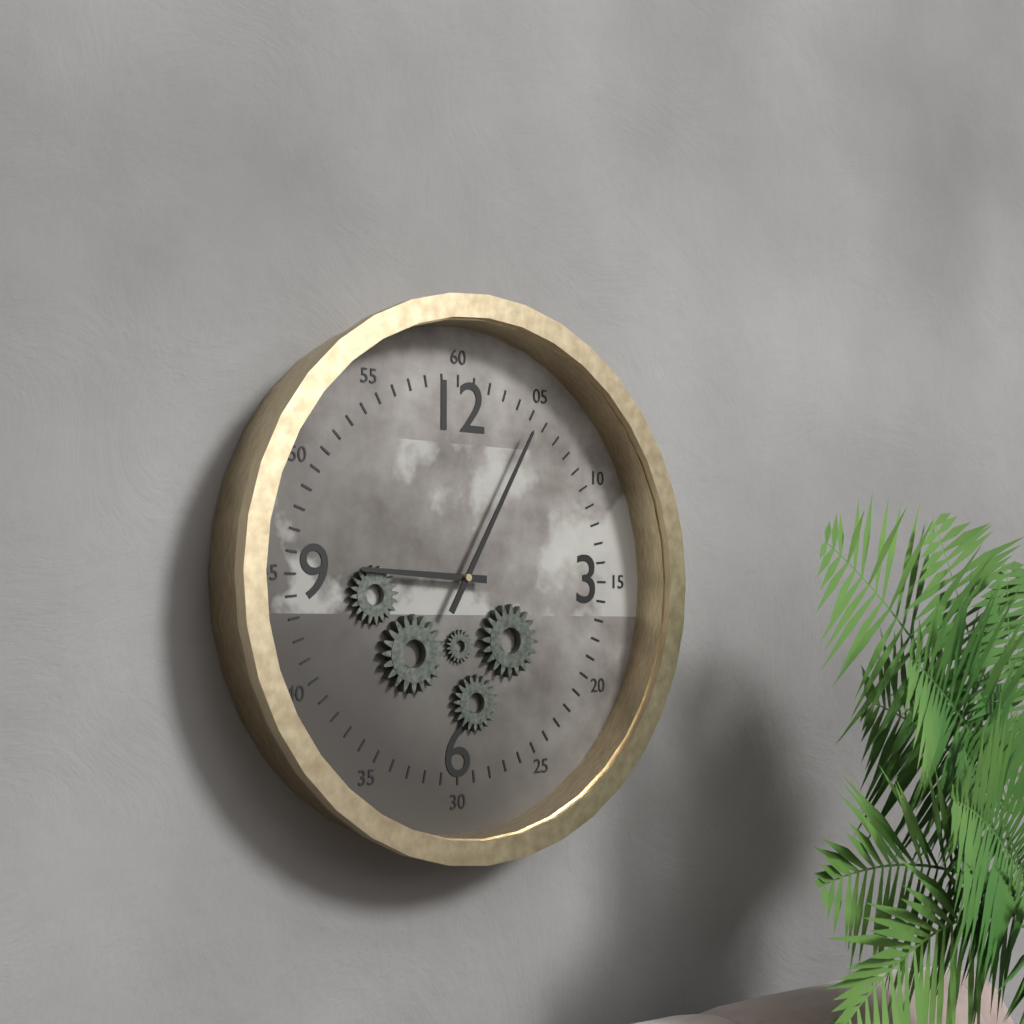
{"hour": 9, "minute": 5}
